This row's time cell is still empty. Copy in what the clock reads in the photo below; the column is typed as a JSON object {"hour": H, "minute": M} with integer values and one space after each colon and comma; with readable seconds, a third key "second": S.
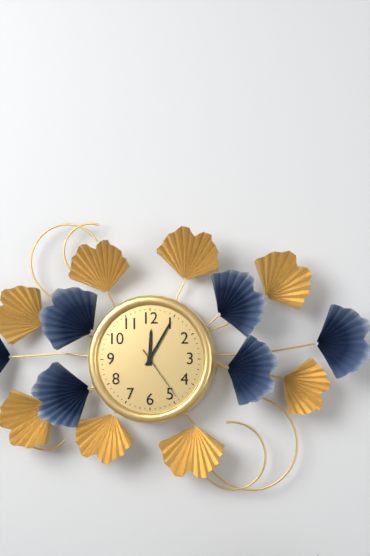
{"hour": 12, "minute": 5, "second": 24}
